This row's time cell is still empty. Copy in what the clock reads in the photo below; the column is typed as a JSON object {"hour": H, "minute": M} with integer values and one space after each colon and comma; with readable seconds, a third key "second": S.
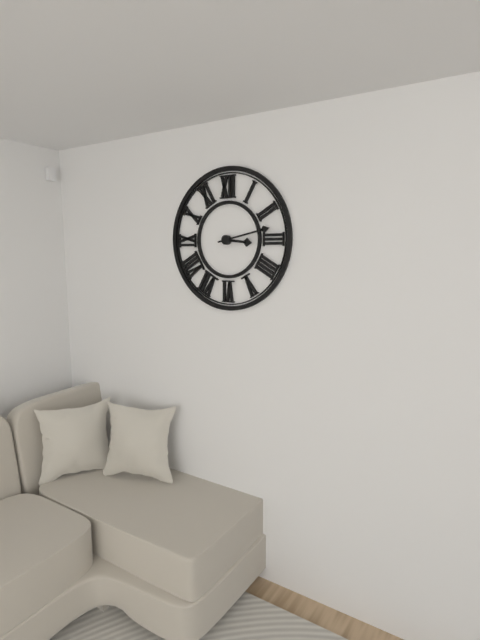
{"hour": 3, "minute": 13}
